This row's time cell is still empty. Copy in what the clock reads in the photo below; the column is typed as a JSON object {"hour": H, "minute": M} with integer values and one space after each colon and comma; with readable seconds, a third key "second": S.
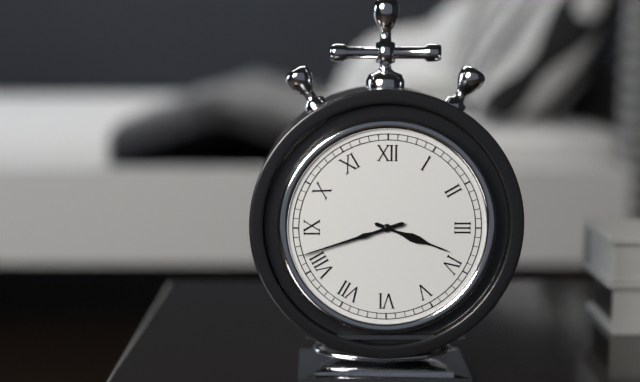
{"hour": 3, "minute": 42}
